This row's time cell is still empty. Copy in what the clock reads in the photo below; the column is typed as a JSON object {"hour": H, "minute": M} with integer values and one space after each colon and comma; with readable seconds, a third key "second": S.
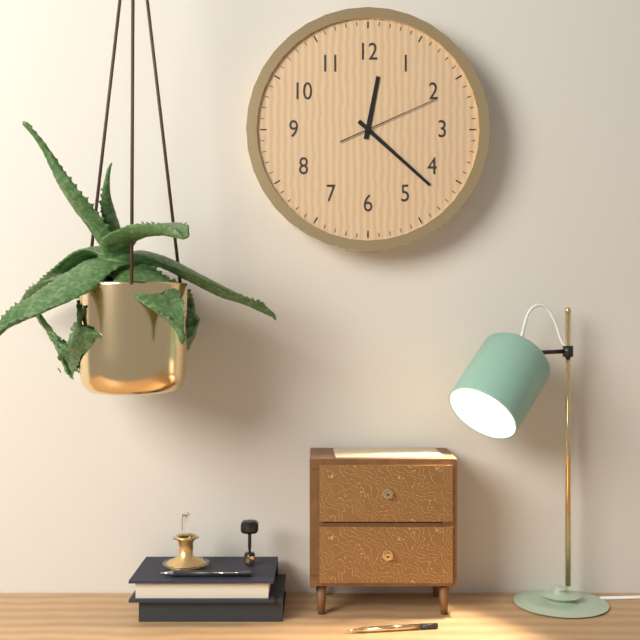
{"hour": 12, "minute": 22, "second": 11}
